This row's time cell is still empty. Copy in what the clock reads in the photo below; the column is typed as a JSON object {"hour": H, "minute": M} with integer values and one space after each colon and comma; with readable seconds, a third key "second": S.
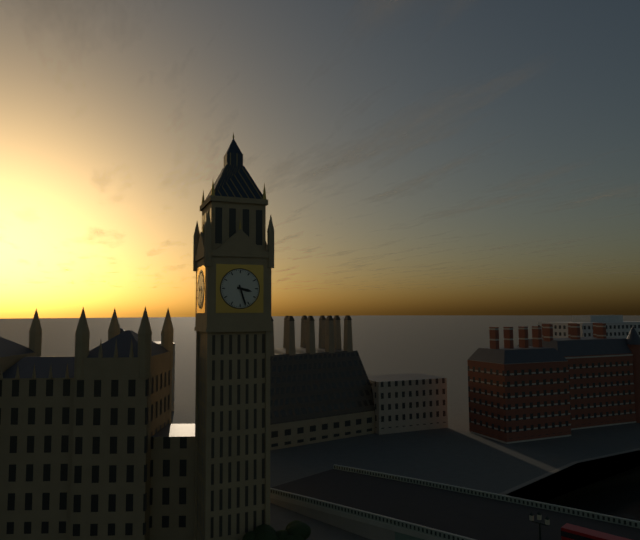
{"hour": 3, "minute": 27}
